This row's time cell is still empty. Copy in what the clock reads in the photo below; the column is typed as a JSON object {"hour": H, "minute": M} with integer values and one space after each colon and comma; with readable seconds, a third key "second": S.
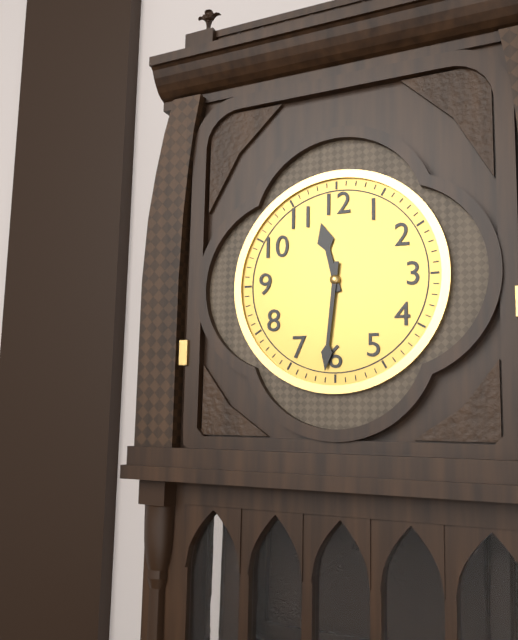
{"hour": 11, "minute": 31}
